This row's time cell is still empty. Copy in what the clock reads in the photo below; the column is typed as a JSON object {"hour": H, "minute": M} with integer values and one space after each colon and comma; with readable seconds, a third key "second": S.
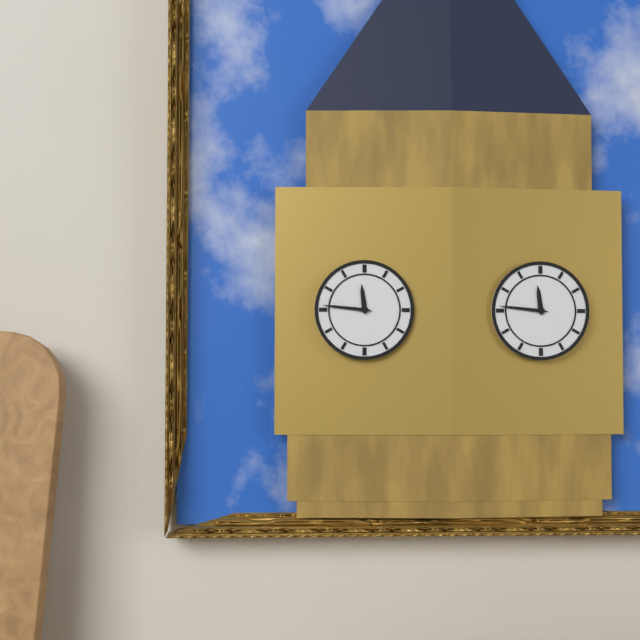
{"hour": 11, "minute": 46}
